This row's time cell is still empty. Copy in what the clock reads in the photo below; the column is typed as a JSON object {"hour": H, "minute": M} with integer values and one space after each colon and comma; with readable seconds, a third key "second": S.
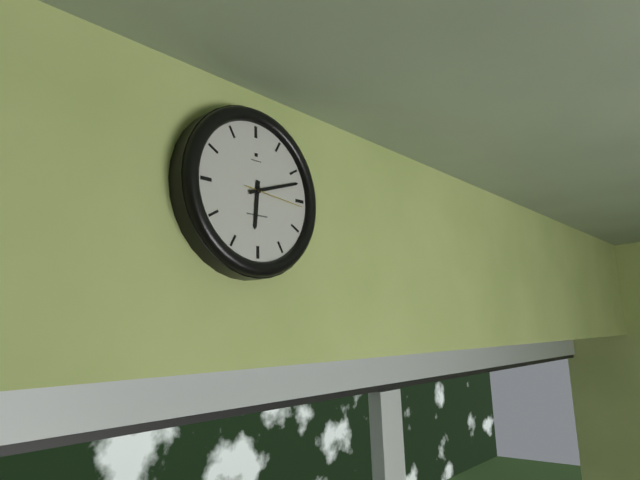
{"hour": 6, "minute": 12, "second": 16}
